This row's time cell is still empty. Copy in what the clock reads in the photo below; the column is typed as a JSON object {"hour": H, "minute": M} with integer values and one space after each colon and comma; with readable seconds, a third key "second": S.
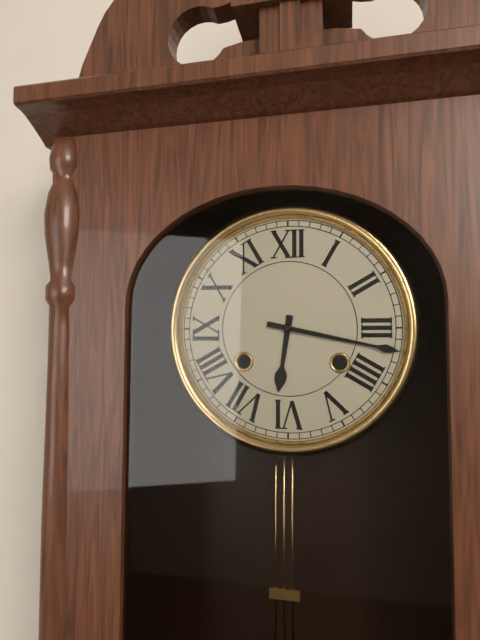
{"hour": 6, "minute": 17}
